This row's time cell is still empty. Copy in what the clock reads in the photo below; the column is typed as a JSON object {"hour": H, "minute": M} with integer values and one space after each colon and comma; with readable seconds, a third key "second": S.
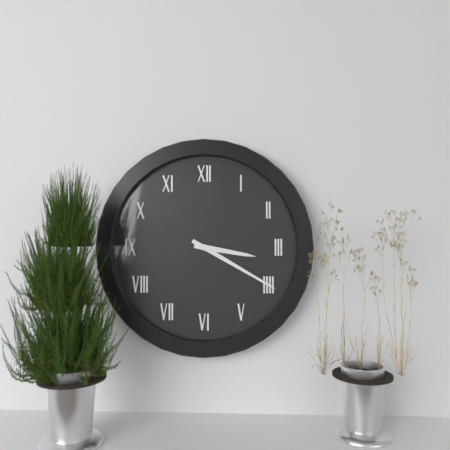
{"hour": 3, "minute": 20}
